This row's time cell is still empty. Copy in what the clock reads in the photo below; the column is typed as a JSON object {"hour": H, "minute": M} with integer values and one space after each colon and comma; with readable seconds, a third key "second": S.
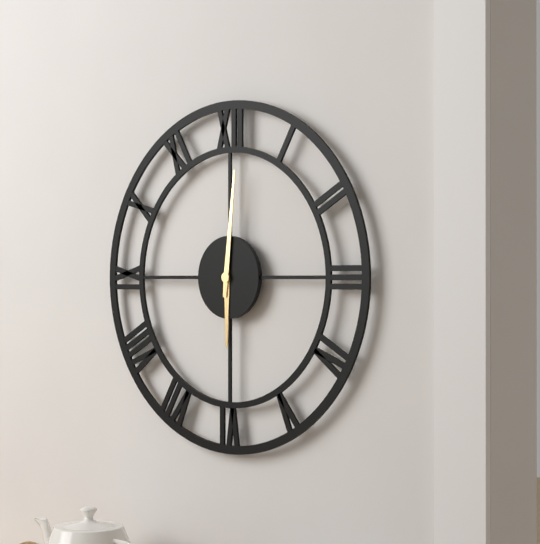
{"hour": 6, "minute": 1}
